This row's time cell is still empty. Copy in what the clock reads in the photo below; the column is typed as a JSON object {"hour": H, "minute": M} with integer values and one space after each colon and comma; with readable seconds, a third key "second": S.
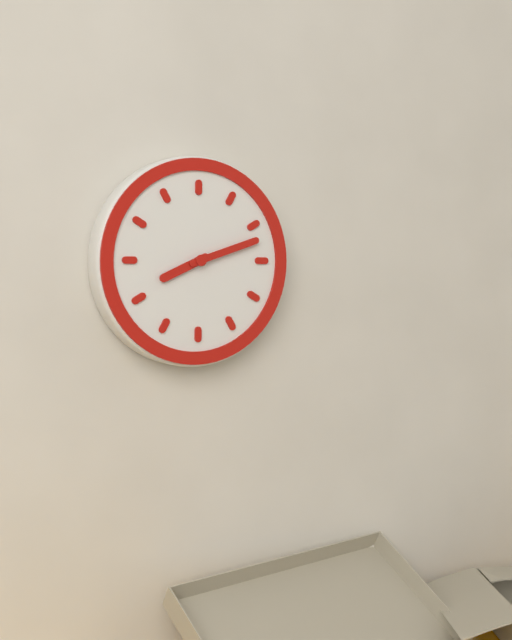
{"hour": 8, "minute": 12}
